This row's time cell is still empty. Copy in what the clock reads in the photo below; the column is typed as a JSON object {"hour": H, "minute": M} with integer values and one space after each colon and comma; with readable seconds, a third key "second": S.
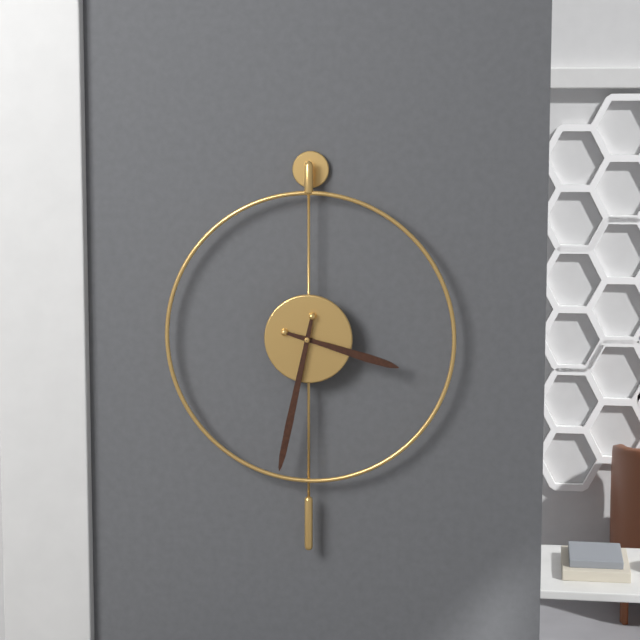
{"hour": 3, "minute": 32}
